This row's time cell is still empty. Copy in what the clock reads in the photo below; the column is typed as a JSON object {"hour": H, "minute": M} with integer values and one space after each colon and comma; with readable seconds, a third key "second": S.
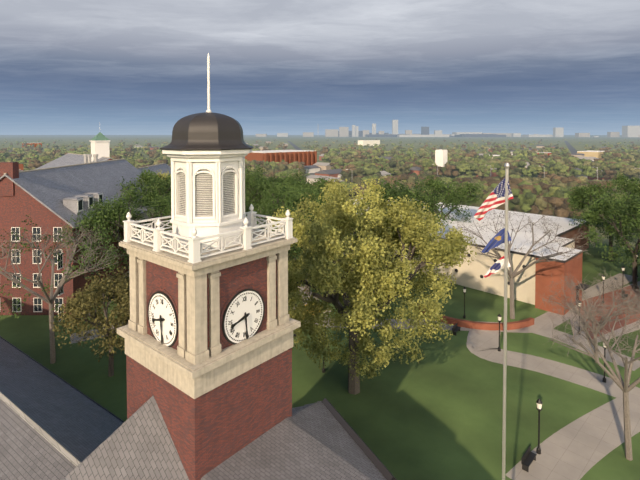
{"hour": 8, "minute": 29}
